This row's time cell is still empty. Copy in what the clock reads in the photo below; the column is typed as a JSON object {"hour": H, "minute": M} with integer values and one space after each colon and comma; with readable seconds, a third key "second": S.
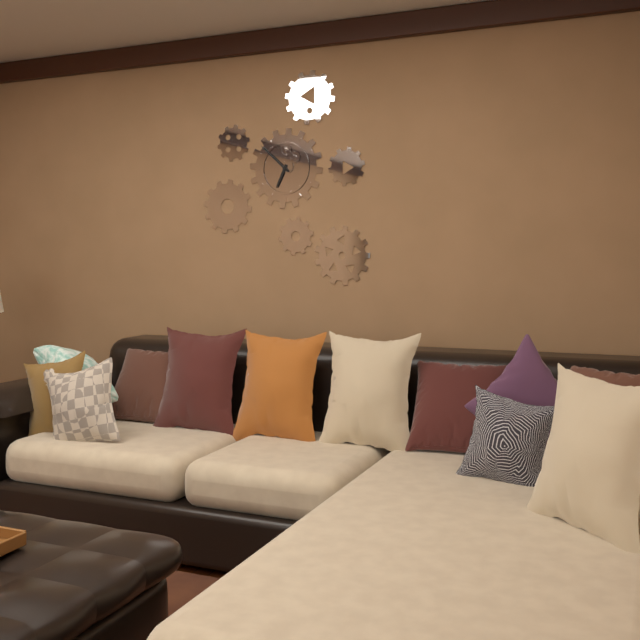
{"hour": 6, "minute": 52}
